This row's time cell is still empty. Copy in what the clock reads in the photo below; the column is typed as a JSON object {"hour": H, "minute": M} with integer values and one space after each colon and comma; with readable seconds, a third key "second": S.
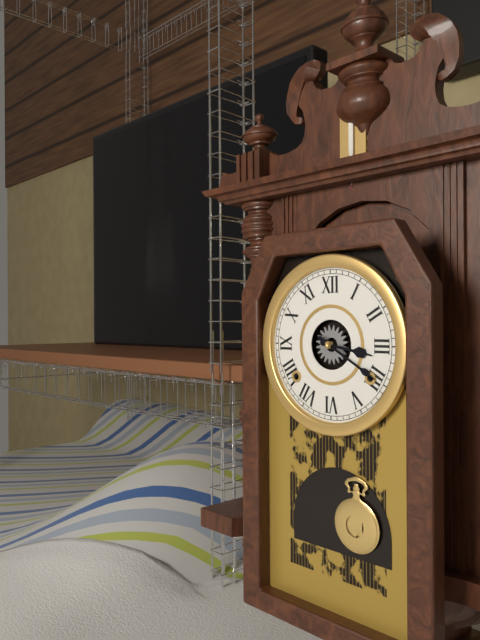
{"hour": 3, "minute": 20}
